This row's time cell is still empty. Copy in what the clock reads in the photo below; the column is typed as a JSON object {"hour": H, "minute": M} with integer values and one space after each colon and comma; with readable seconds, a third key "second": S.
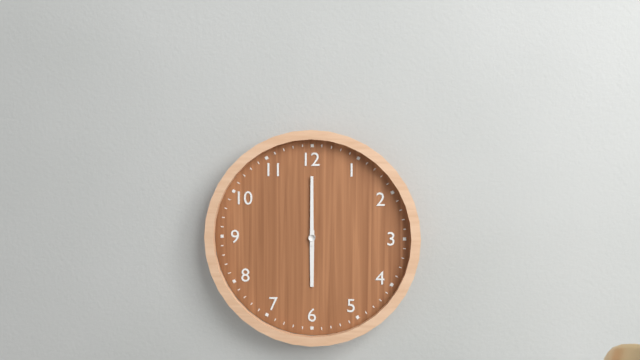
{"hour": 6, "minute": 0}
